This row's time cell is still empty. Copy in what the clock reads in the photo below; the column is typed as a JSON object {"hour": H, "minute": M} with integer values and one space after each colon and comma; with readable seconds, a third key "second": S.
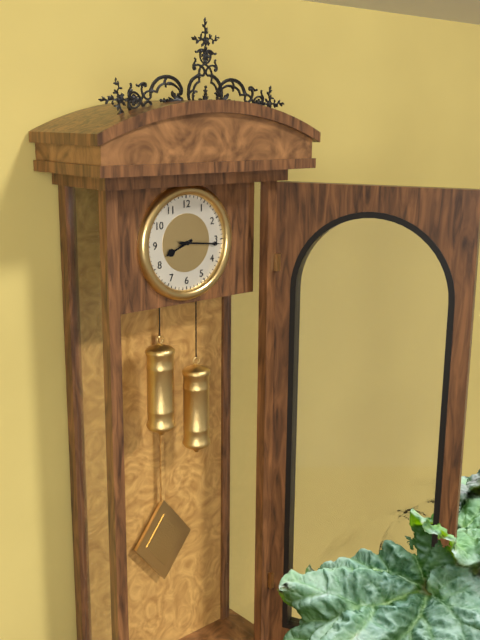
{"hour": 8, "minute": 16}
